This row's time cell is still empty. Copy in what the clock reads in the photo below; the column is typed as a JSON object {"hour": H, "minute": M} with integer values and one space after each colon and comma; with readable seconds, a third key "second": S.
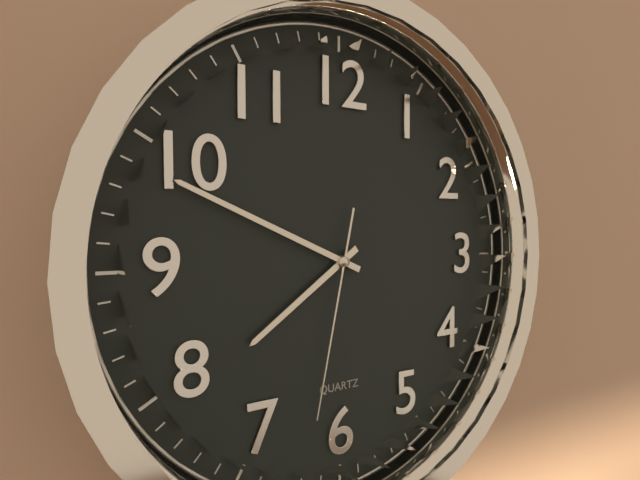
{"hour": 7, "minute": 49, "second": 32}
